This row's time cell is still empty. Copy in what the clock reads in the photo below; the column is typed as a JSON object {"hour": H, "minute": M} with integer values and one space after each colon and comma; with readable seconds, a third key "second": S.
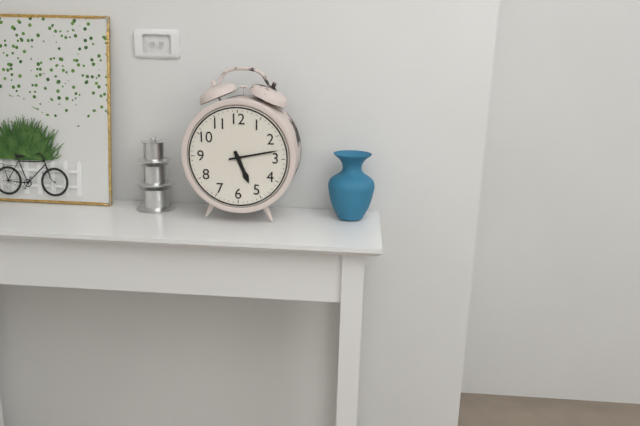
{"hour": 5, "minute": 13}
